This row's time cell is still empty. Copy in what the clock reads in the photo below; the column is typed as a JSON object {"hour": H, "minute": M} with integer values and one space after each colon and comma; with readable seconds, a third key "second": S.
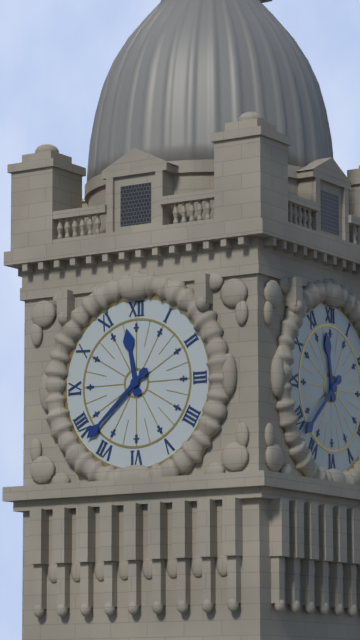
{"hour": 11, "minute": 38}
